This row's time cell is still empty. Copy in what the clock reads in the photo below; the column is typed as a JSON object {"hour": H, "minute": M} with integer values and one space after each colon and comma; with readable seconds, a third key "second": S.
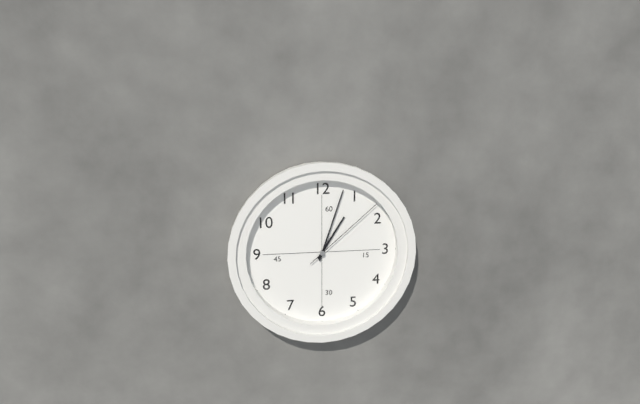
{"hour": 1, "minute": 3, "second": 8}
